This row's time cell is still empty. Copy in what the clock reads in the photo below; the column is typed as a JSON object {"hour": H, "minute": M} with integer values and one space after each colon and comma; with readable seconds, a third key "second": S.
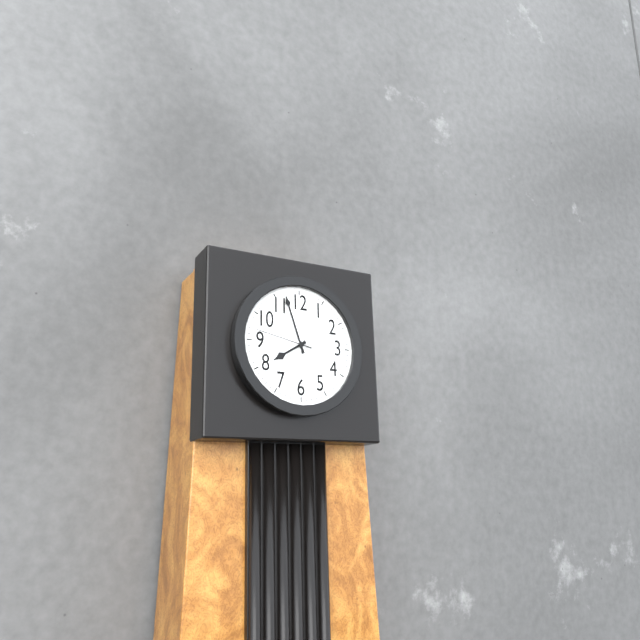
{"hour": 7, "minute": 57, "second": 47}
